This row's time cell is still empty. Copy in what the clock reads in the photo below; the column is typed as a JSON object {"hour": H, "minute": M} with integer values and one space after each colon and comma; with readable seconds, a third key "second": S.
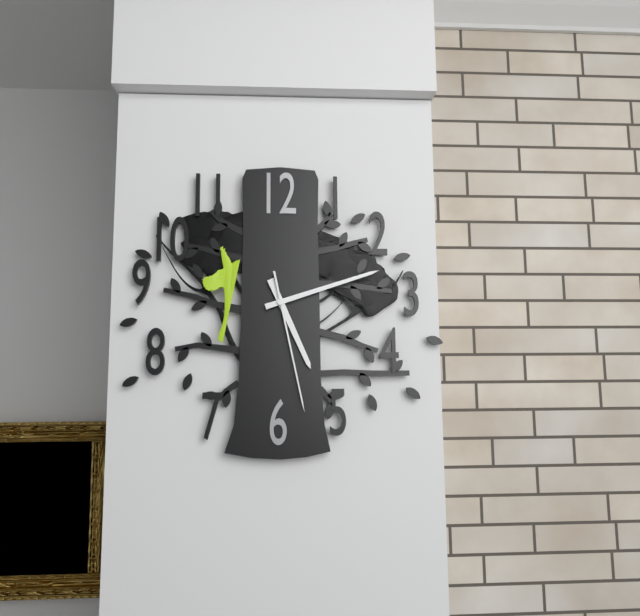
{"hour": 5, "minute": 12, "second": 28}
